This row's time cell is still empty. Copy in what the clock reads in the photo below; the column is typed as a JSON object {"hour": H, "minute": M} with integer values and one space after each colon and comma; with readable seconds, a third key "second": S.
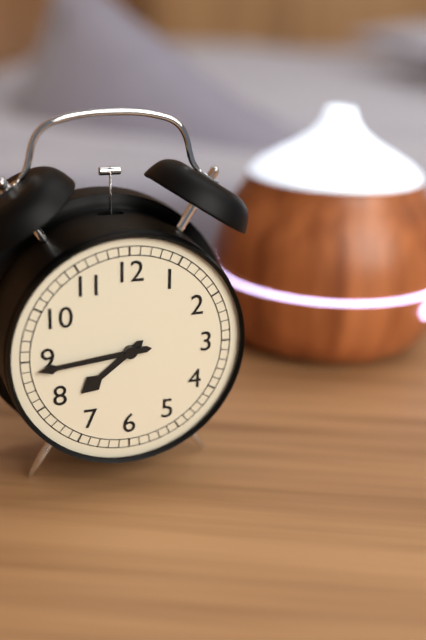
{"hour": 7, "minute": 44}
